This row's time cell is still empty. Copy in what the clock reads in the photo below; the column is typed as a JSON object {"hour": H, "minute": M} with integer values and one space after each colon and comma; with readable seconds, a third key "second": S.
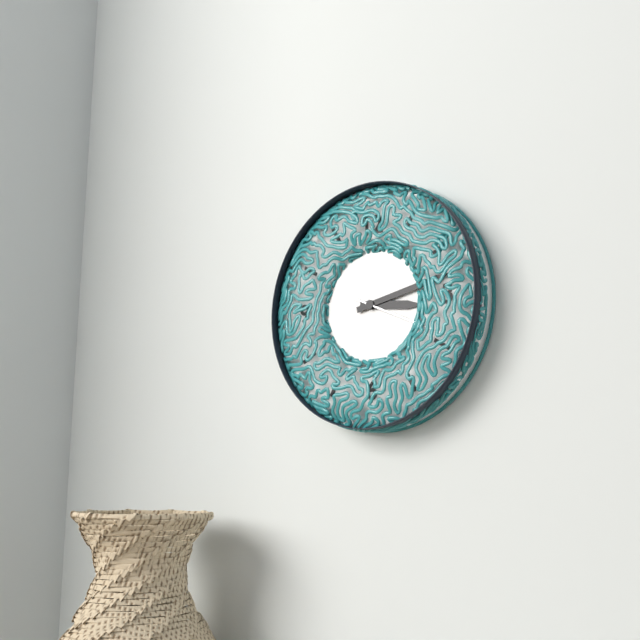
{"hour": 3, "minute": 13, "second": 19}
